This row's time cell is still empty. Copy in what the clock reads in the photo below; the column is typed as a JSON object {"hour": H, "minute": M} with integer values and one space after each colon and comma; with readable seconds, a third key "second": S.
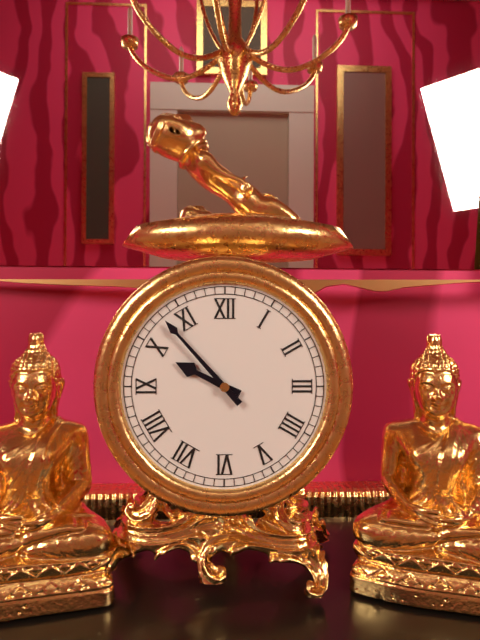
{"hour": 9, "minute": 53}
